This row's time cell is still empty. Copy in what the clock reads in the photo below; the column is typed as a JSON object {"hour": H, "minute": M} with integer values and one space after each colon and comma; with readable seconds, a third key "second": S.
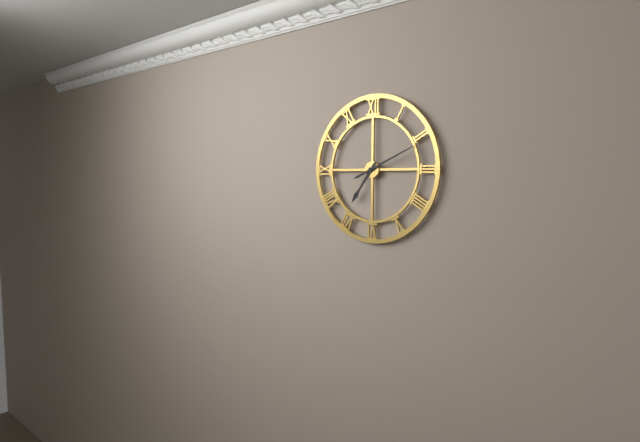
{"hour": 7, "minute": 11}
